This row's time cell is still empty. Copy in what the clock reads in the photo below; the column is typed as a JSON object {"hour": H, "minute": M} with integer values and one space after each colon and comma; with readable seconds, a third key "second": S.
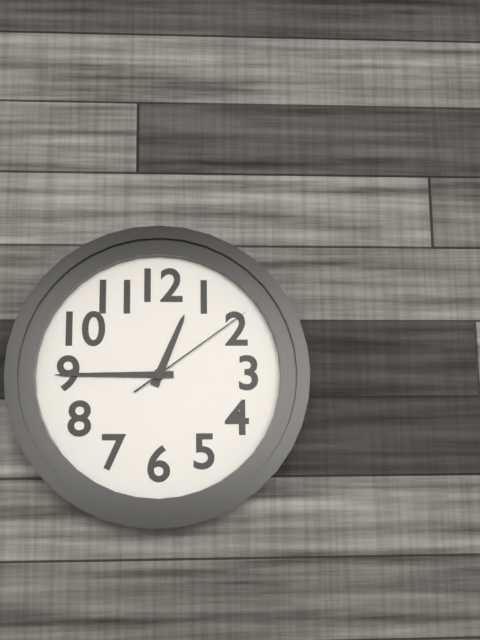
{"hour": 12, "minute": 45, "second": 9}
